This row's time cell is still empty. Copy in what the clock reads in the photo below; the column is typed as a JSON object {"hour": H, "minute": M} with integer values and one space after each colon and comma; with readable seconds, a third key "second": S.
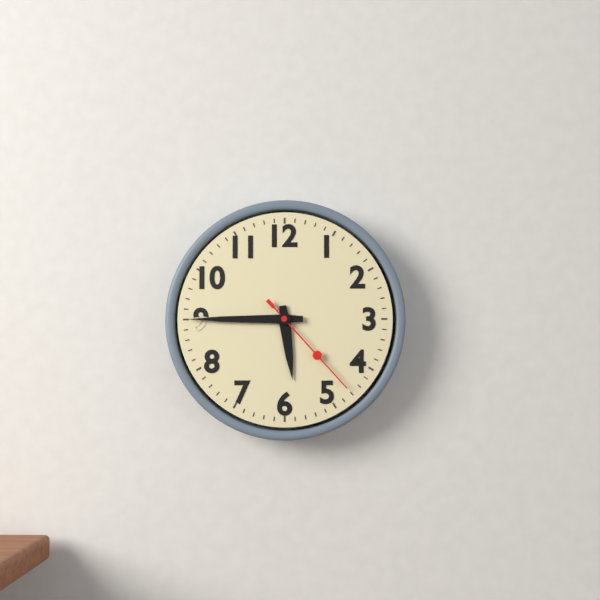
{"hour": 5, "minute": 45, "second": 23}
